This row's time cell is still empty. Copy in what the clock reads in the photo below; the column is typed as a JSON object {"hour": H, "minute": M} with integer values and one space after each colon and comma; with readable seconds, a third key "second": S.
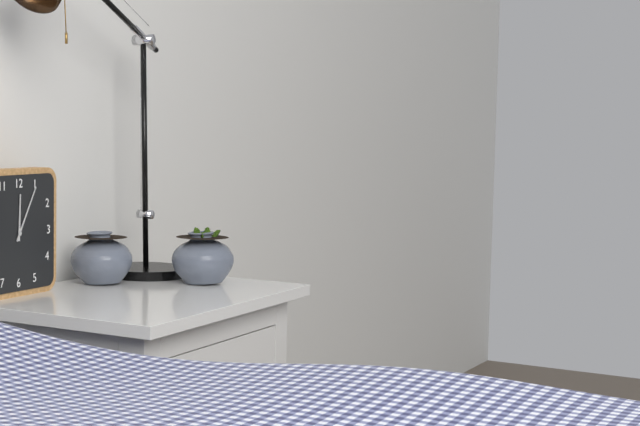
{"hour": 12, "minute": 5}
